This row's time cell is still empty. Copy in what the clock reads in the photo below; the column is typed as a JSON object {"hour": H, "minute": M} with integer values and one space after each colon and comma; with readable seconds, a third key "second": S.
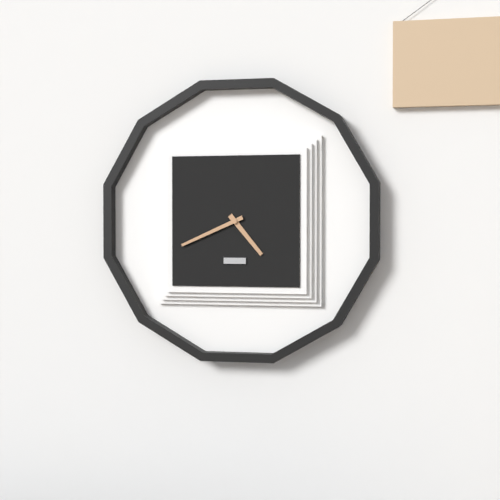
{"hour": 4, "minute": 41}
